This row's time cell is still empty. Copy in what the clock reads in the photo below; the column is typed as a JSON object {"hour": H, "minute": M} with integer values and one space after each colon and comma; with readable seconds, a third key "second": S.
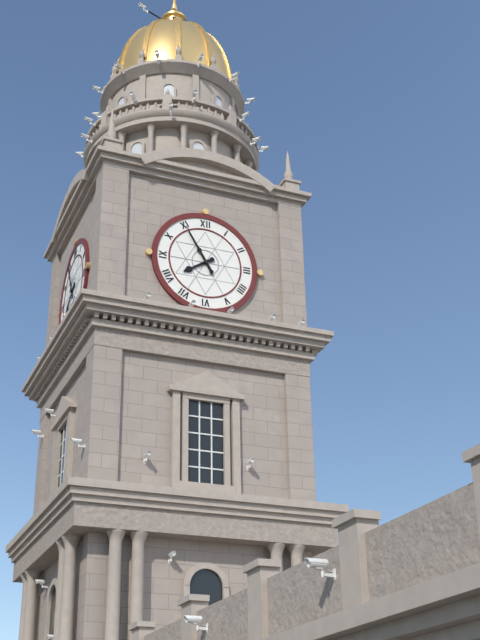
{"hour": 7, "minute": 55}
